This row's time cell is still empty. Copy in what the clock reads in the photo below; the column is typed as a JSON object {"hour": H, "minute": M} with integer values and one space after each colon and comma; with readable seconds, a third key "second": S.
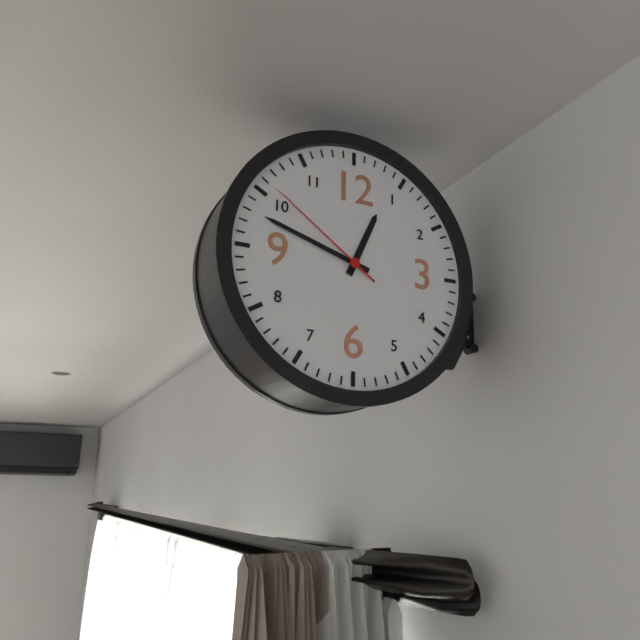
{"hour": 12, "minute": 48, "second": 51}
